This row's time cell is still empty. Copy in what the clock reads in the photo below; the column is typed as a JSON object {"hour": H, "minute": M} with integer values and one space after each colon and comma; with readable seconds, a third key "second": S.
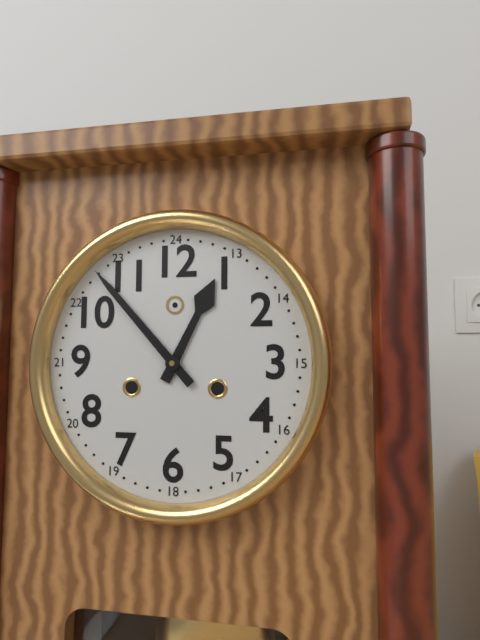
{"hour": 12, "minute": 53}
